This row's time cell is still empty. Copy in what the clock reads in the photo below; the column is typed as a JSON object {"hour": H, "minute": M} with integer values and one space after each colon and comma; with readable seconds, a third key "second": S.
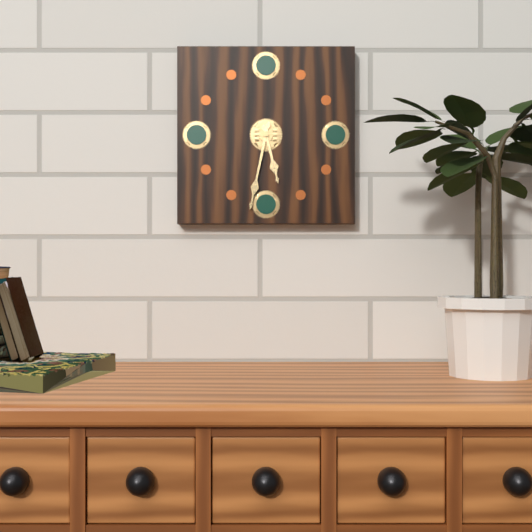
{"hour": 5, "minute": 32}
